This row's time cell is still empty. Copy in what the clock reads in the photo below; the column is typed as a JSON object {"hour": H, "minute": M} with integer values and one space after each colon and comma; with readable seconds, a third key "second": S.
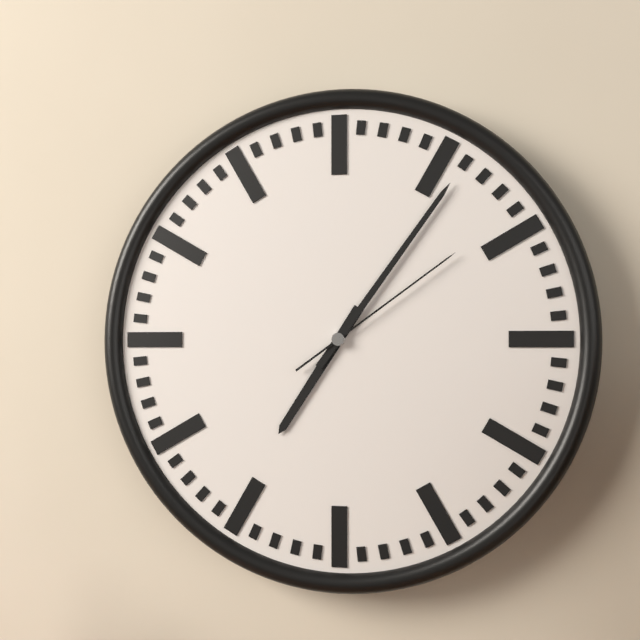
{"hour": 7, "minute": 6, "second": 9}
